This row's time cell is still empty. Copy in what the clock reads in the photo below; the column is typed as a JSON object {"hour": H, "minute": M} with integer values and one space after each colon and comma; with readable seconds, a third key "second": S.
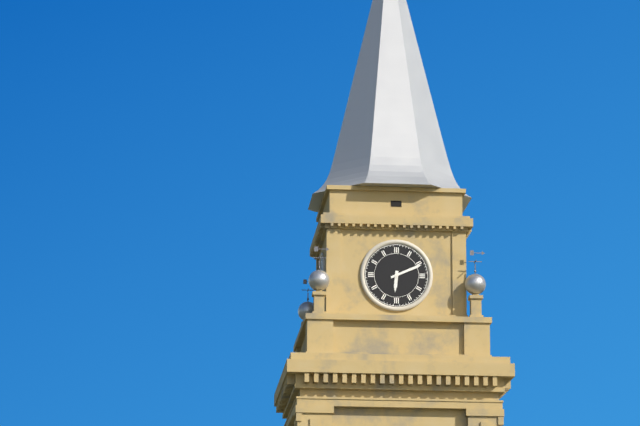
{"hour": 6, "minute": 11}
